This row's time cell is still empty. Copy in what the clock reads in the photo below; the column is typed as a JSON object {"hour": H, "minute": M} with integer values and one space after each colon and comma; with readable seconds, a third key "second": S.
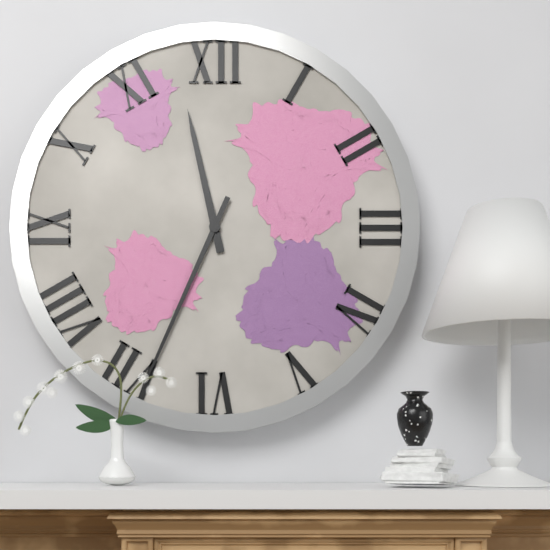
{"hour": 11, "minute": 34}
